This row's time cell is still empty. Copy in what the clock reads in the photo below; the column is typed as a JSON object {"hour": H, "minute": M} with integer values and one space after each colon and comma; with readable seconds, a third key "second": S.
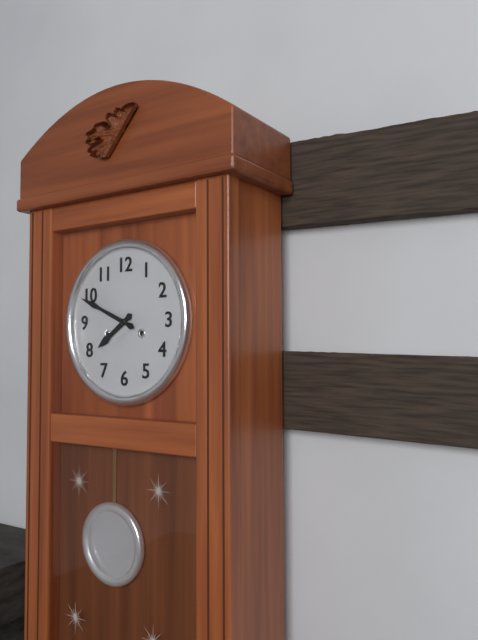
{"hour": 7, "minute": 49}
